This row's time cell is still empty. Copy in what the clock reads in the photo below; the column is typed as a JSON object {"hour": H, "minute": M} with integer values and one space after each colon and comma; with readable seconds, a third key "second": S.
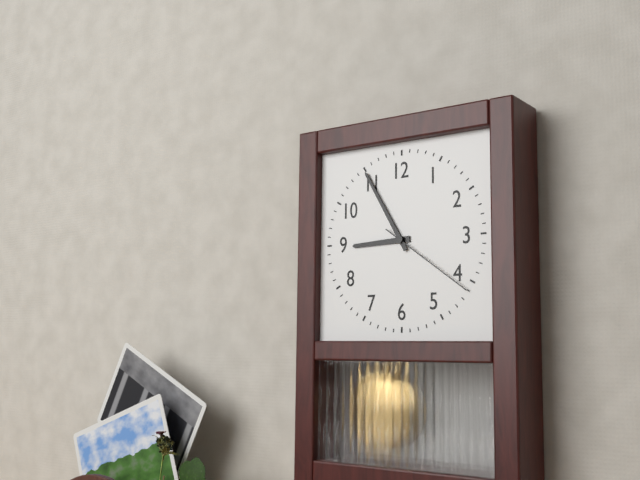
{"hour": 8, "minute": 55, "second": 21}
